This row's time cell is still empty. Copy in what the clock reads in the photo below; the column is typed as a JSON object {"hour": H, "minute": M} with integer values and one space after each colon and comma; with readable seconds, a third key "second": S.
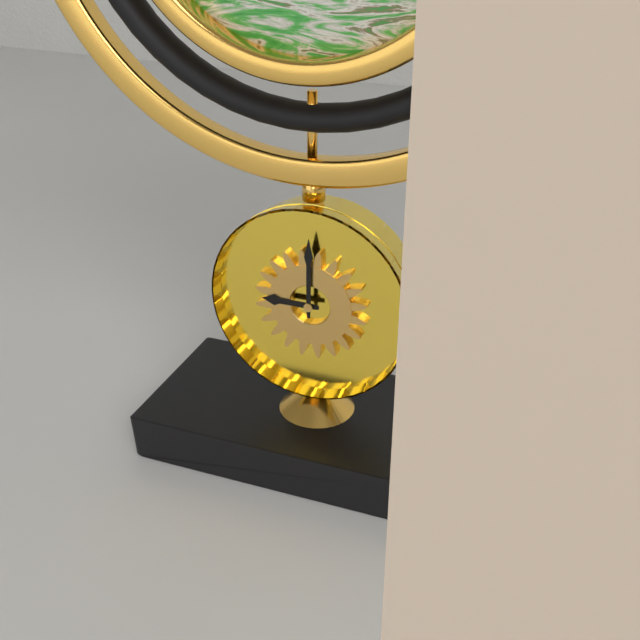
{"hour": 9, "minute": 0}
